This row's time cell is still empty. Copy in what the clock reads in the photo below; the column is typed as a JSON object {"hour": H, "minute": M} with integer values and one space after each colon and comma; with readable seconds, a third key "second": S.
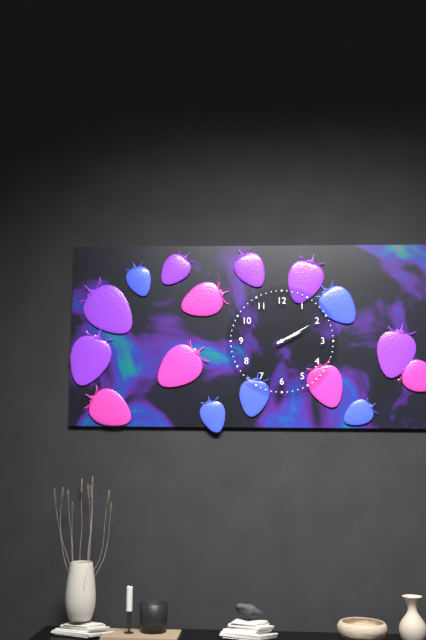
{"hour": 2, "minute": 10}
